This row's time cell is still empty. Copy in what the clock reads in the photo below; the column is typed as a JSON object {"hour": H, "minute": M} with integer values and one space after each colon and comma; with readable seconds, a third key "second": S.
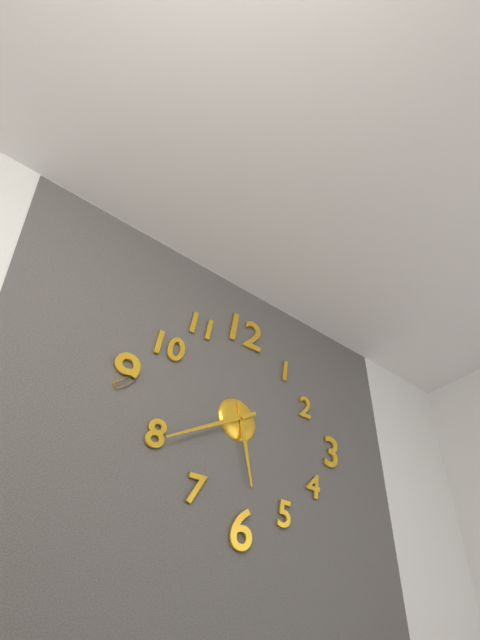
{"hour": 5, "minute": 40}
